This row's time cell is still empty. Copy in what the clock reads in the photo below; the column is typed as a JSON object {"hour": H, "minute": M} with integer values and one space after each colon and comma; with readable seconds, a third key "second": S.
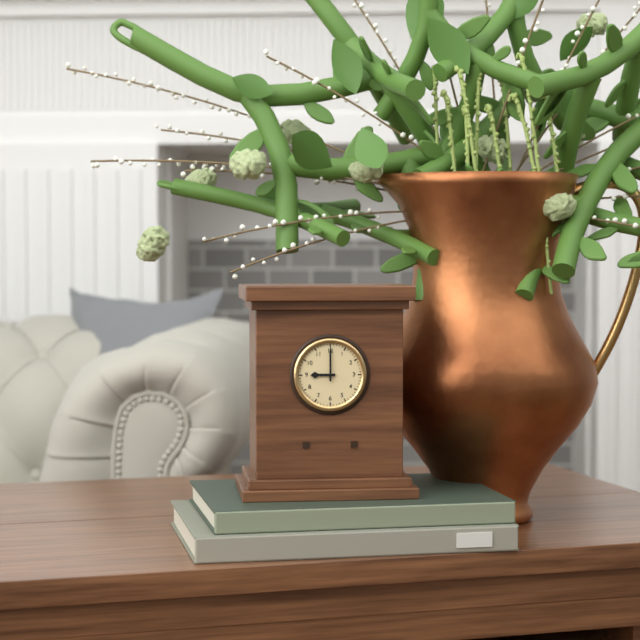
{"hour": 9, "minute": 0}
